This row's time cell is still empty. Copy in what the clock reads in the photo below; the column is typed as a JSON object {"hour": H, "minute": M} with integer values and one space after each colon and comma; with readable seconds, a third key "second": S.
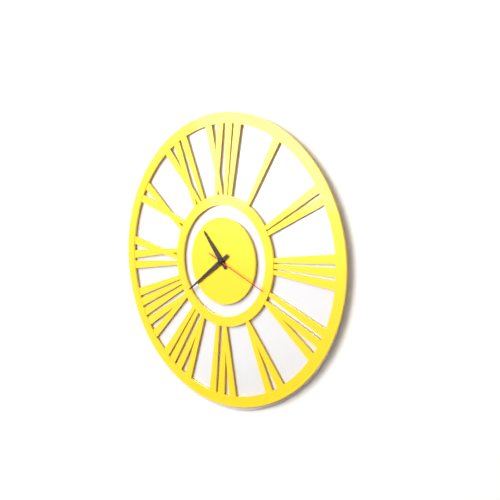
{"hour": 10, "minute": 39, "second": 19}
